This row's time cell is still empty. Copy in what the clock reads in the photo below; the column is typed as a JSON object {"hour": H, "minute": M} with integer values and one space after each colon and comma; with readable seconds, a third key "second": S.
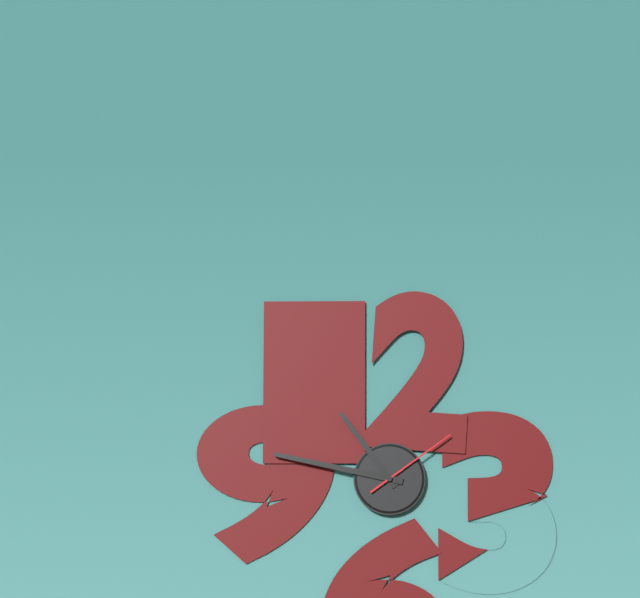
{"hour": 10, "minute": 47, "second": 9}
